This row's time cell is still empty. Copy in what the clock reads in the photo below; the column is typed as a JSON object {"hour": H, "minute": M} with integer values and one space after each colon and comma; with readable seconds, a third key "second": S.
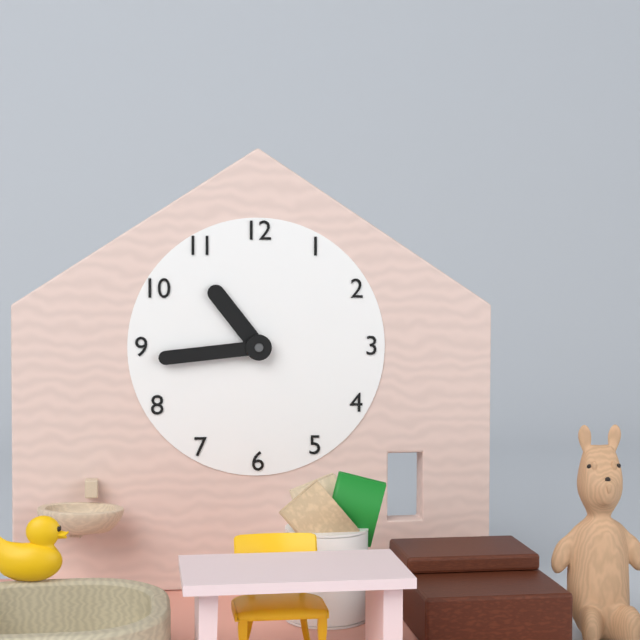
{"hour": 10, "minute": 44}
